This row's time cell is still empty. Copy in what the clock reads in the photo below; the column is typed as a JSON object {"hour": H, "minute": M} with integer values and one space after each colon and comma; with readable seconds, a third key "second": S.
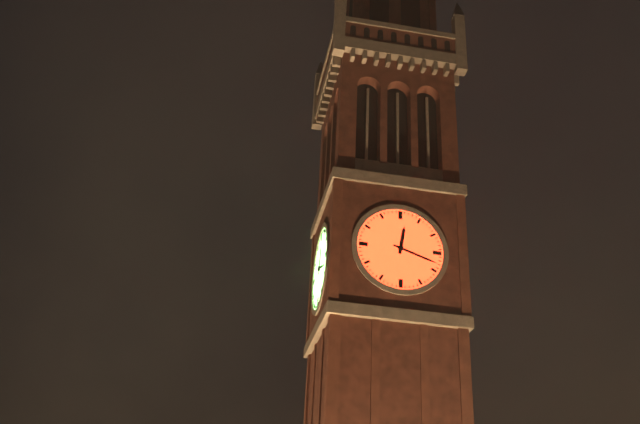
{"hour": 12, "minute": 18}
